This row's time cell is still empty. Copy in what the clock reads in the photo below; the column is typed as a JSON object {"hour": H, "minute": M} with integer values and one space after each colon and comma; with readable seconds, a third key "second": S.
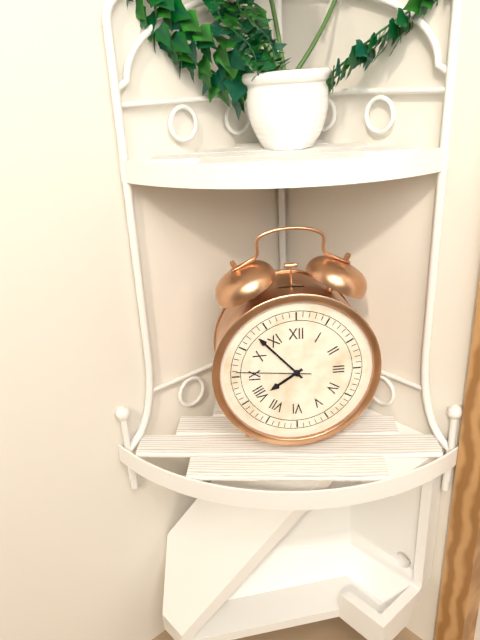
{"hour": 7, "minute": 53, "second": 46}
